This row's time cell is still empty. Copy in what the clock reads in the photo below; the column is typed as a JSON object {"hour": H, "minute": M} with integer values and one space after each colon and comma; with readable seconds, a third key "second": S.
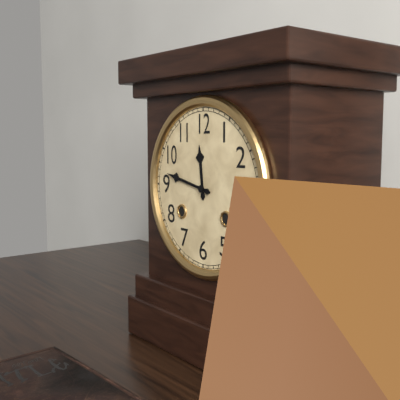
{"hour": 11, "minute": 47}
